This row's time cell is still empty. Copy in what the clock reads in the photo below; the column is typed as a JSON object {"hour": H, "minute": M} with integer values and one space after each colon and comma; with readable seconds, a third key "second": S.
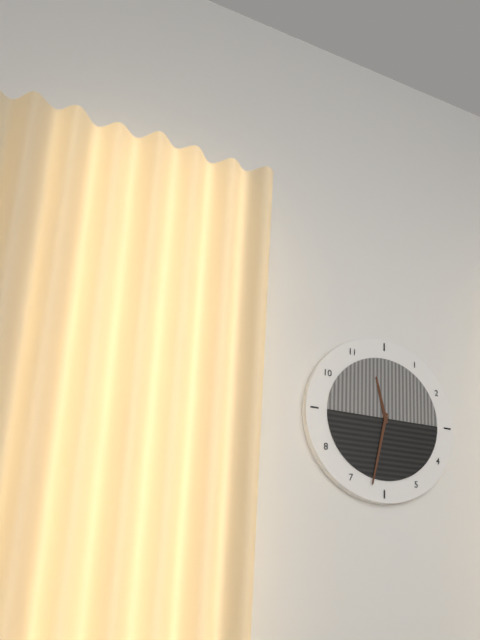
{"hour": 11, "minute": 32}
